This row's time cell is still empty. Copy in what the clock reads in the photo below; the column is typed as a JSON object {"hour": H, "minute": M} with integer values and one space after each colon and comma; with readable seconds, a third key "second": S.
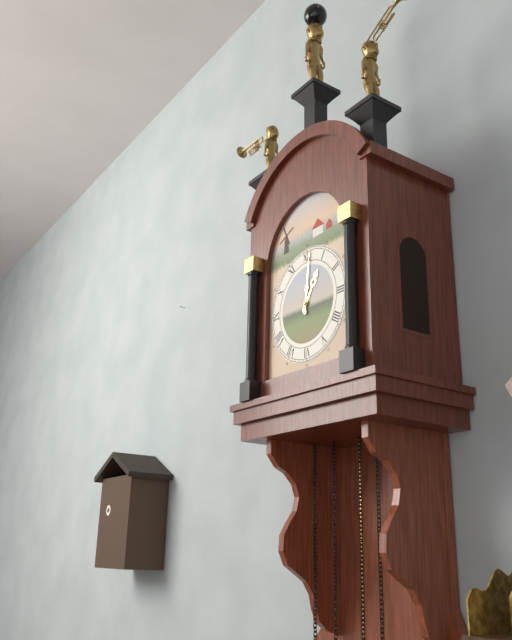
{"hour": 1, "minute": 1}
